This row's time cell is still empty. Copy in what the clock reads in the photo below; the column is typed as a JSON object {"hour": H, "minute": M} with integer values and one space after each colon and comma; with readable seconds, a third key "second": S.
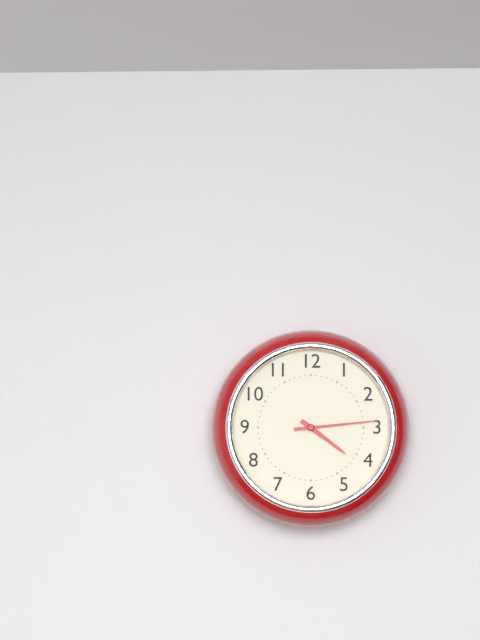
{"hour": 4, "minute": 14}
